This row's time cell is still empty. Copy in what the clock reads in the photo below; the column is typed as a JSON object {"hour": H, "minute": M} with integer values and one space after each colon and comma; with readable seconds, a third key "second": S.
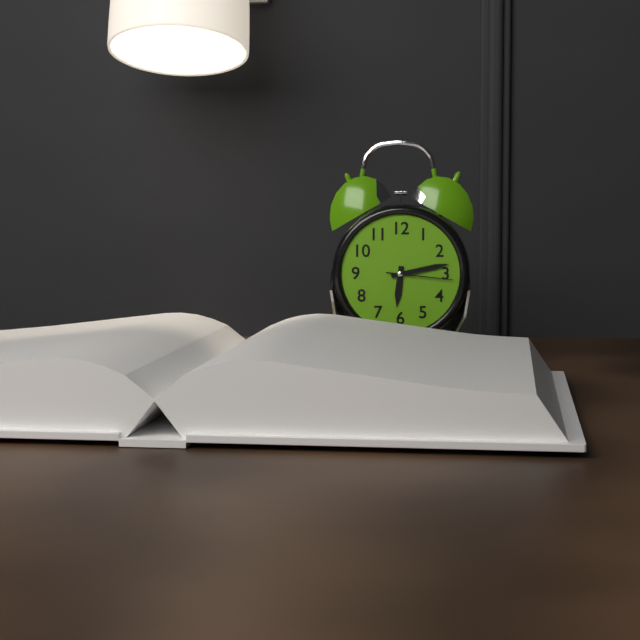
{"hour": 6, "minute": 13, "second": 16}
